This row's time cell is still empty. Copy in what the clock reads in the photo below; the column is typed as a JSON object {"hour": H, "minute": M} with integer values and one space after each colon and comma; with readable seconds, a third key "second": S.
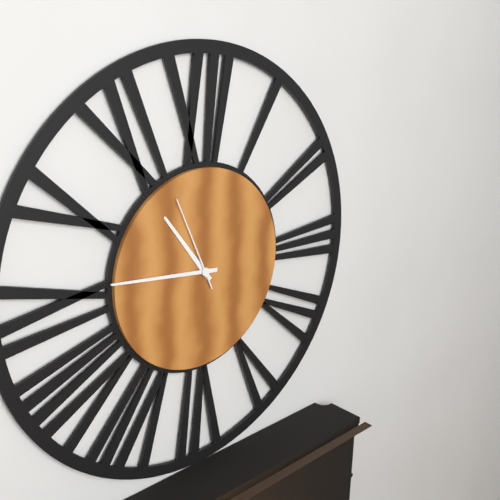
{"hour": 10, "minute": 46, "second": 56}
